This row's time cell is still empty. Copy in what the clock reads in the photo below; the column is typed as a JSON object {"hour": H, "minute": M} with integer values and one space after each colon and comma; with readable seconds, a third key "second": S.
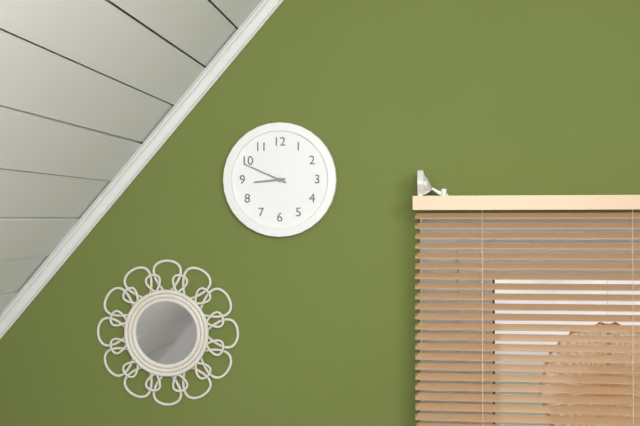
{"hour": 8, "minute": 49}
